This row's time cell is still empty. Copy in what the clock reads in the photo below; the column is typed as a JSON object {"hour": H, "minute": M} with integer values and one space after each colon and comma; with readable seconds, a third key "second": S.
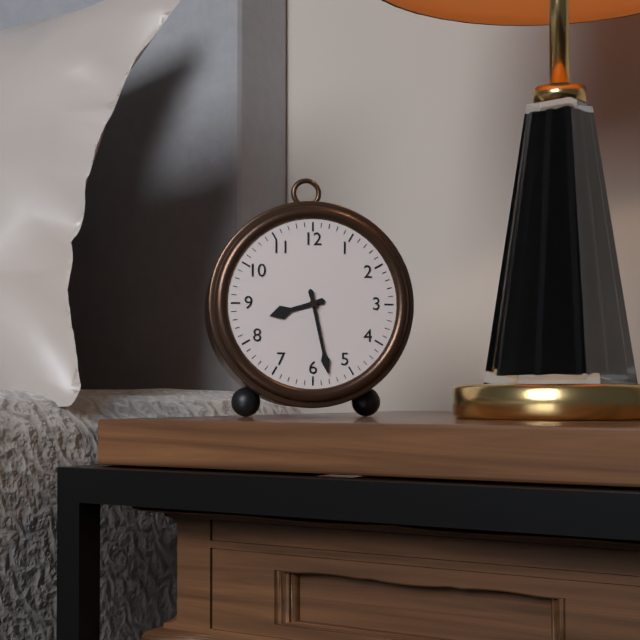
{"hour": 8, "minute": 28}
